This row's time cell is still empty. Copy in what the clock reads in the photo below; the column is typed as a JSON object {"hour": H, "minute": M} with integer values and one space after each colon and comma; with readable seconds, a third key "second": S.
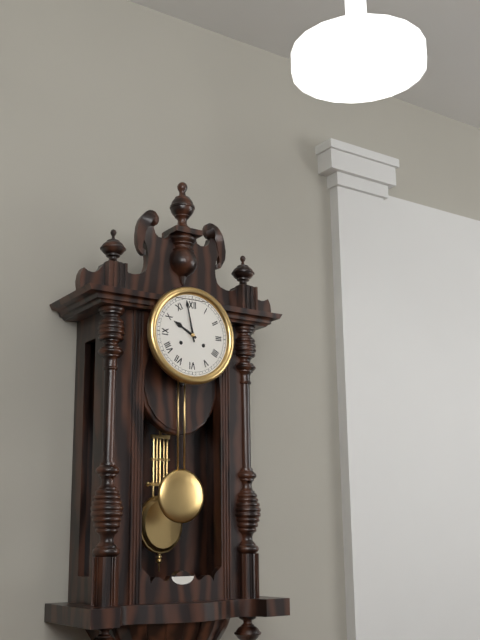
{"hour": 9, "minute": 58}
